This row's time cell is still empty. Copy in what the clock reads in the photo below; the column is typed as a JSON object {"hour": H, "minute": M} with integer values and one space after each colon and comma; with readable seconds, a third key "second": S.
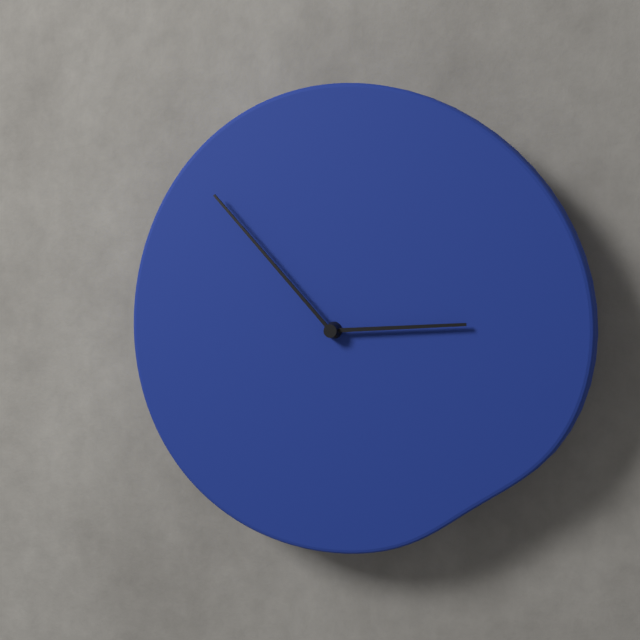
{"hour": 2, "minute": 53}
